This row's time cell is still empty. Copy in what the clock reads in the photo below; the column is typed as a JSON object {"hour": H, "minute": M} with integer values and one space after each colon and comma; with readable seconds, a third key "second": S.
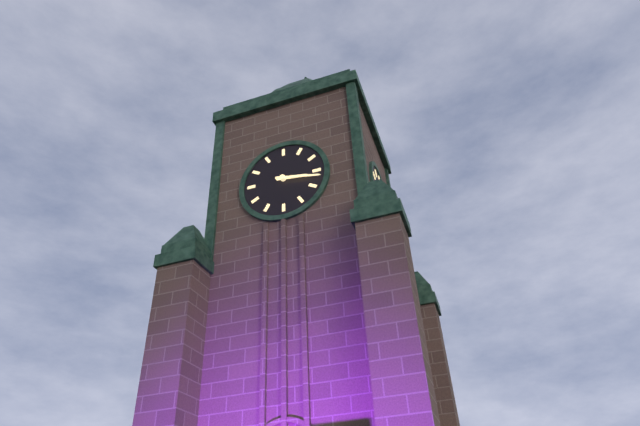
{"hour": 3, "minute": 17}
